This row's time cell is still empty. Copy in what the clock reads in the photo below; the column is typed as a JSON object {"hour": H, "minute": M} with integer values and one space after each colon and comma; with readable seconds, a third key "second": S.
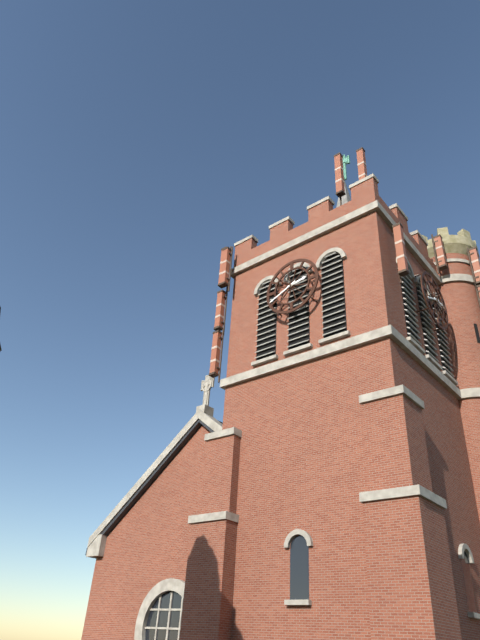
{"hour": 2, "minute": 41}
